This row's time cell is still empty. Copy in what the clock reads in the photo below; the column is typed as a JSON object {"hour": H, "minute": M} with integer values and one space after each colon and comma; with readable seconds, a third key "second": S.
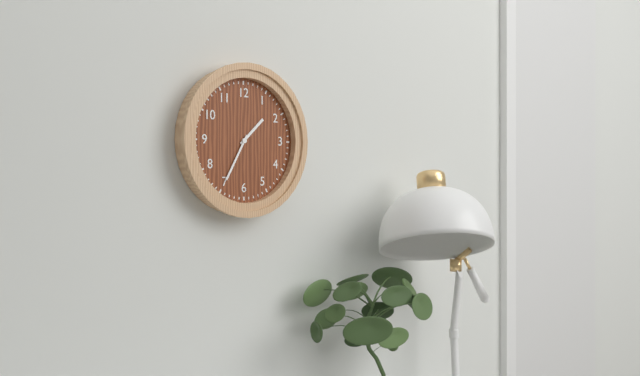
{"hour": 1, "minute": 35}
